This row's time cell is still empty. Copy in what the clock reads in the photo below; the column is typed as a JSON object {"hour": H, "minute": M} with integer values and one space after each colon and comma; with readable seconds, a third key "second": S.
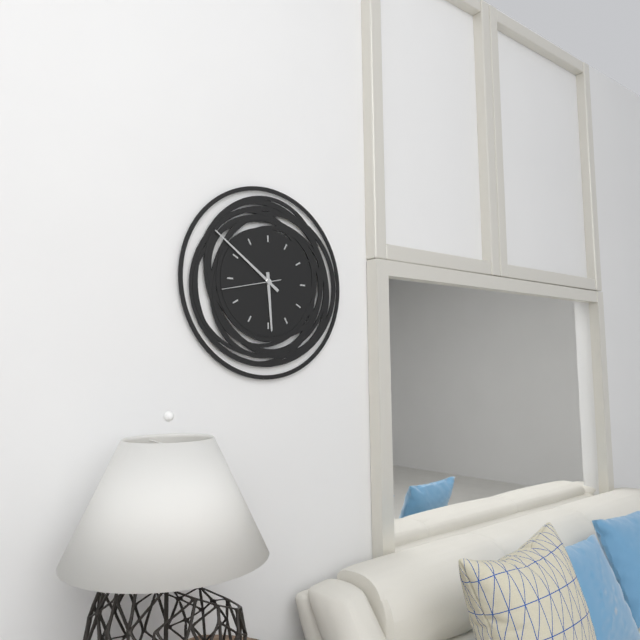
{"hour": 5, "minute": 51, "second": 43}
